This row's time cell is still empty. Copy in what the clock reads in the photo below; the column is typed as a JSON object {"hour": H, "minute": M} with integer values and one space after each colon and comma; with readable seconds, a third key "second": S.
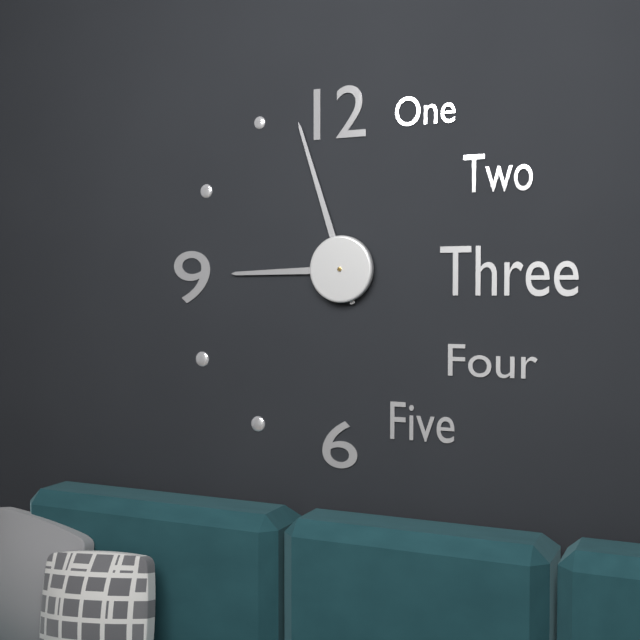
{"hour": 8, "minute": 57}
